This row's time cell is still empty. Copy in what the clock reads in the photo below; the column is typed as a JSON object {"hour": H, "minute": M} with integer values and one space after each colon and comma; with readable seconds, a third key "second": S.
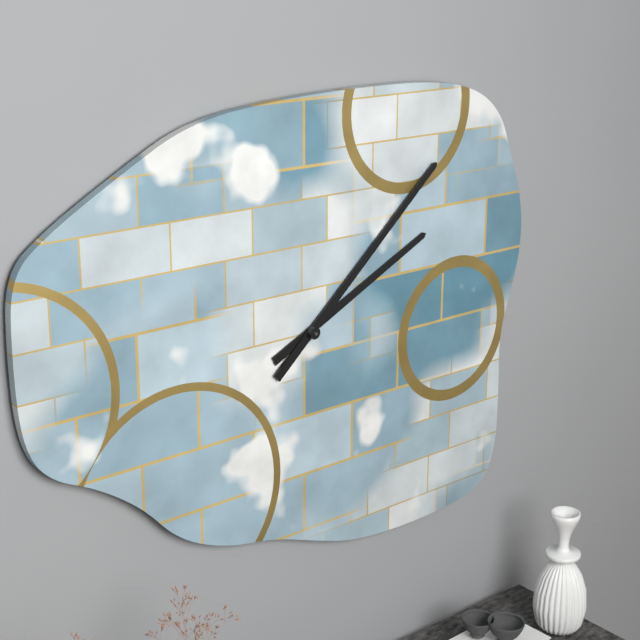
{"hour": 2, "minute": 8}
